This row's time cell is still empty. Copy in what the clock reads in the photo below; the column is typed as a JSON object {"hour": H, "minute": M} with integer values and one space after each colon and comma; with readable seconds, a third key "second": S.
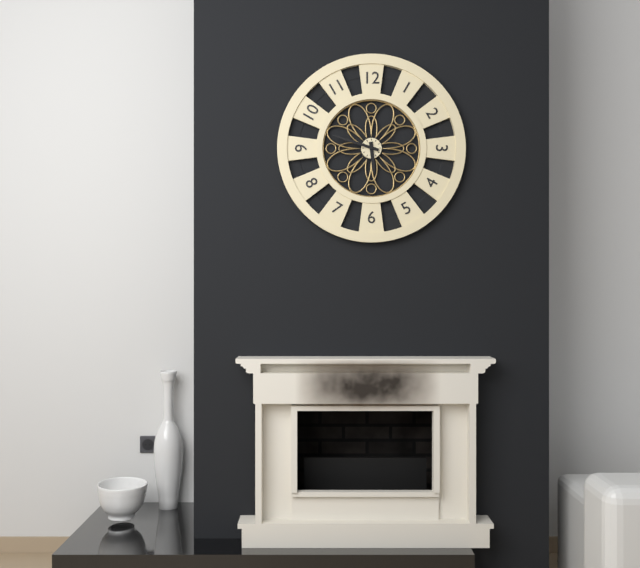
{"hour": 5, "minute": 48}
